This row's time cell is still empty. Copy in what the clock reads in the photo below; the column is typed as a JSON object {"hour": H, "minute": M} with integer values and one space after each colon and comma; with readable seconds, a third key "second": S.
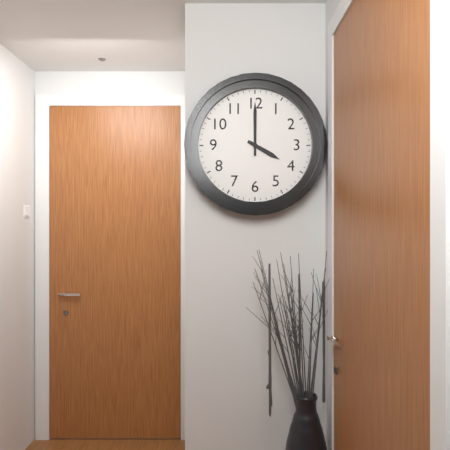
{"hour": 4, "minute": 0}
